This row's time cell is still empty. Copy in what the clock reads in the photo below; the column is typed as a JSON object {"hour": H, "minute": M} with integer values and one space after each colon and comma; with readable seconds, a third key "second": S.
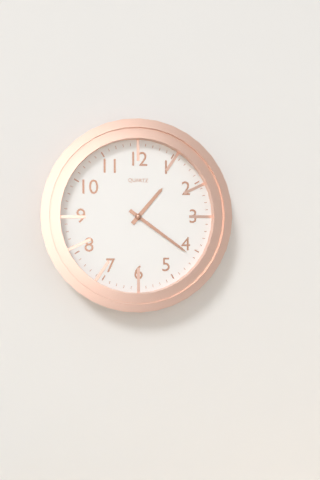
{"hour": 1, "minute": 21}
